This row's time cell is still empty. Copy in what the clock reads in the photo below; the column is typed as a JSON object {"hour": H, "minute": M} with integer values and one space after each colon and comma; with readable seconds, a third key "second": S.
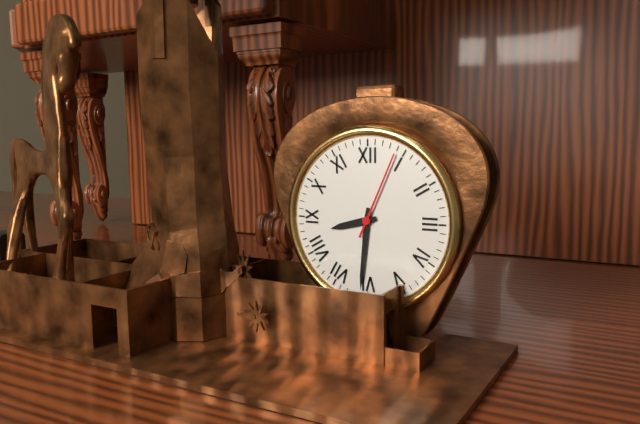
{"hour": 8, "minute": 31, "second": 4}
